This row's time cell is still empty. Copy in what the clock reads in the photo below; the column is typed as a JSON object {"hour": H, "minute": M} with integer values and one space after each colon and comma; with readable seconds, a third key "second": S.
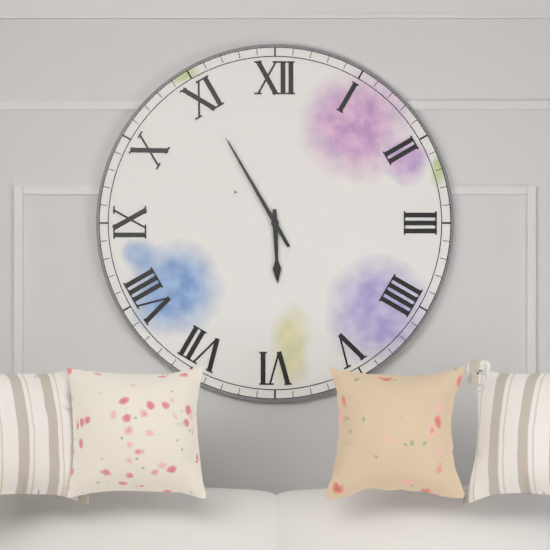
{"hour": 5, "minute": 55}
